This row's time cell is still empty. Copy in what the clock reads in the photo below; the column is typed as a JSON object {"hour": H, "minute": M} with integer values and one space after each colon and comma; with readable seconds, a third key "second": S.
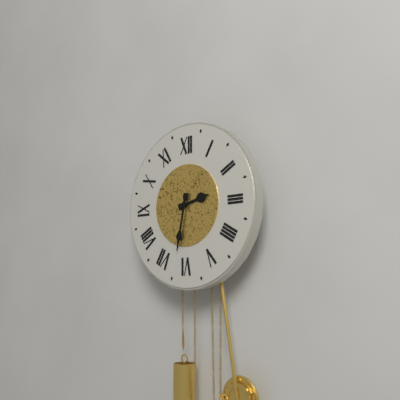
{"hour": 2, "minute": 32}
